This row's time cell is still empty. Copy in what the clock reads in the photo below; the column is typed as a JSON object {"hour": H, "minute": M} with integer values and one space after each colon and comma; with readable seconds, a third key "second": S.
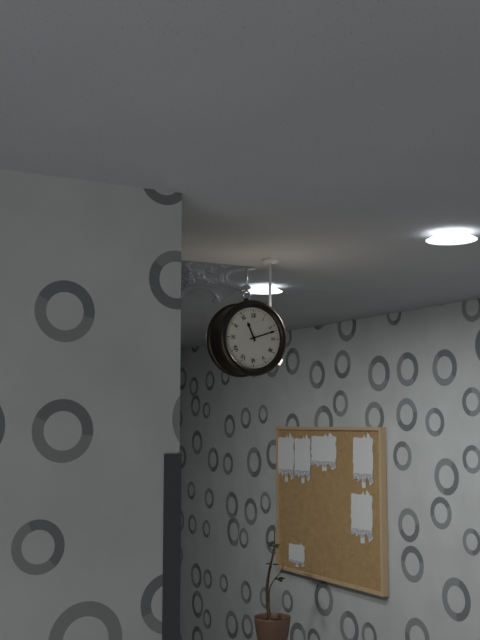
{"hour": 11, "minute": 12}
